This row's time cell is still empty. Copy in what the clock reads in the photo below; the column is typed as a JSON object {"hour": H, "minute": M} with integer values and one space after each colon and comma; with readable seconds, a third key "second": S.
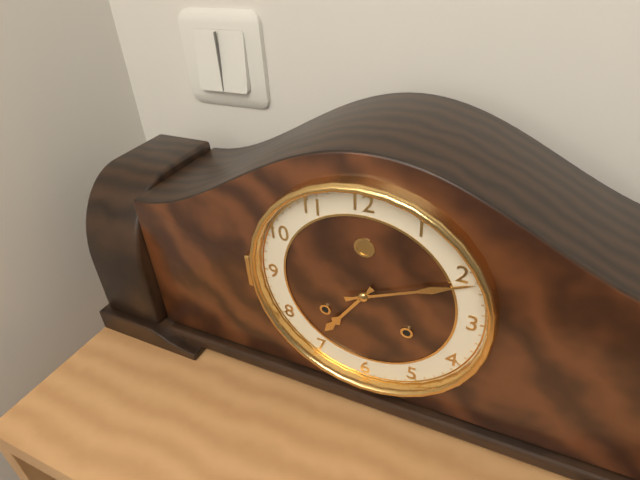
{"hour": 7, "minute": 11}
